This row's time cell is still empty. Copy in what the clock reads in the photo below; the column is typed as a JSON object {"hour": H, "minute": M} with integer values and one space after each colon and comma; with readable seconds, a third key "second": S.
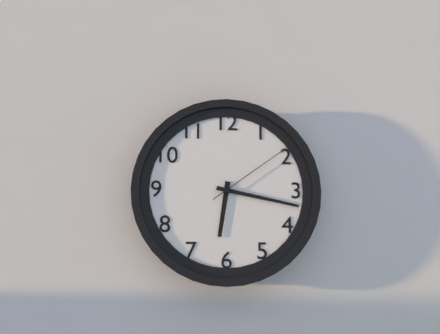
{"hour": 6, "minute": 17, "second": 9}
